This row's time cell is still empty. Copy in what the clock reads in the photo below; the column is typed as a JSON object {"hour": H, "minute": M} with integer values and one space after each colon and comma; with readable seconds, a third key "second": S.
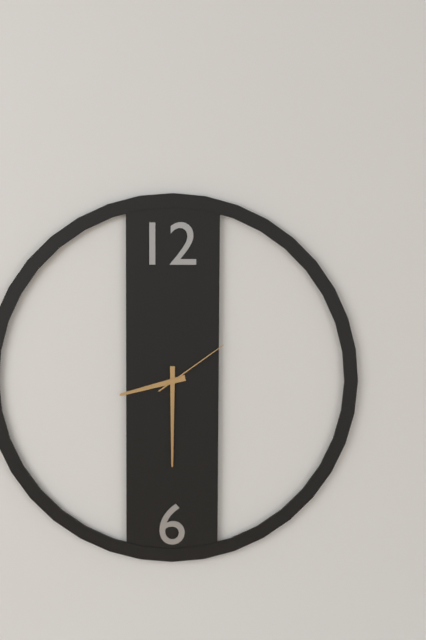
{"hour": 8, "minute": 30, "second": 9}
